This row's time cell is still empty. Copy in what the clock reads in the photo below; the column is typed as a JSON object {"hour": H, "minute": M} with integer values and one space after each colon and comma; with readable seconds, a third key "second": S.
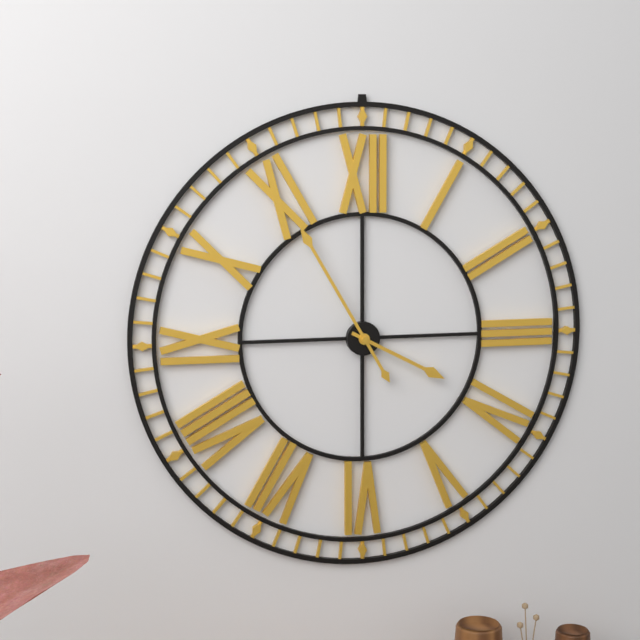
{"hour": 3, "minute": 55}
